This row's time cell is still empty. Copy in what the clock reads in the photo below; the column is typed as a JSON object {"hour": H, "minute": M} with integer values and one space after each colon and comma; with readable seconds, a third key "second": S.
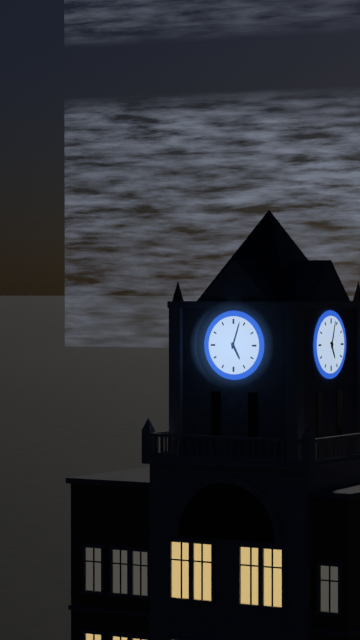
{"hour": 5, "minute": 3}
